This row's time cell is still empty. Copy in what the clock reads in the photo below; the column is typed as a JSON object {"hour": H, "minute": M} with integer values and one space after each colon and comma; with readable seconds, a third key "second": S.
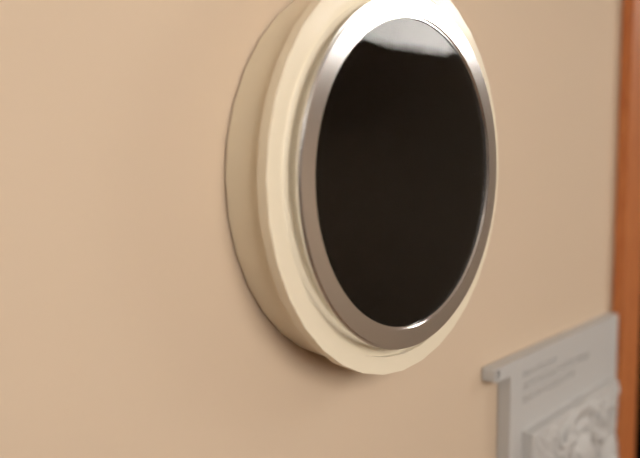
{"hour": 8, "minute": 37}
